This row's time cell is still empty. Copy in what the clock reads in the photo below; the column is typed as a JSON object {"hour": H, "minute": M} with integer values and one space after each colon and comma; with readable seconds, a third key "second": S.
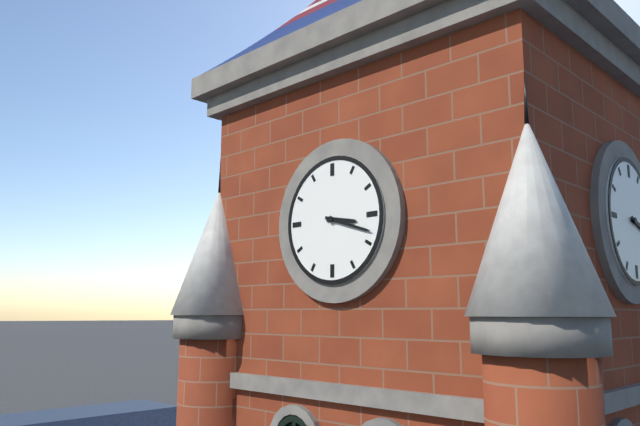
{"hour": 3, "minute": 18}
